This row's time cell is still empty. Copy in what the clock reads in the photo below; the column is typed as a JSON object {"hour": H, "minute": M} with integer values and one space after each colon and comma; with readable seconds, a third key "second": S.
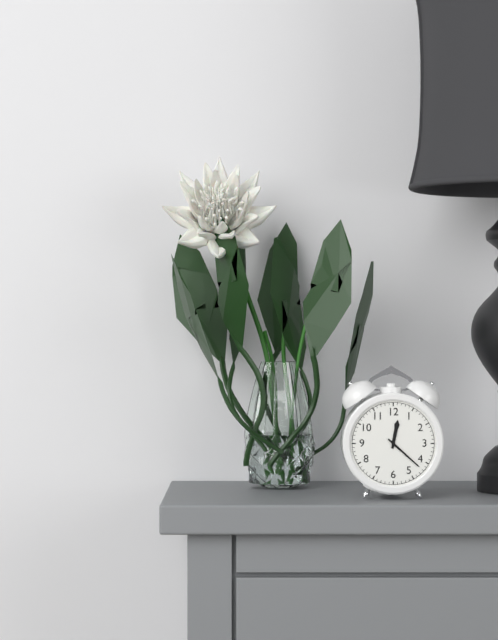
{"hour": 12, "minute": 22}
